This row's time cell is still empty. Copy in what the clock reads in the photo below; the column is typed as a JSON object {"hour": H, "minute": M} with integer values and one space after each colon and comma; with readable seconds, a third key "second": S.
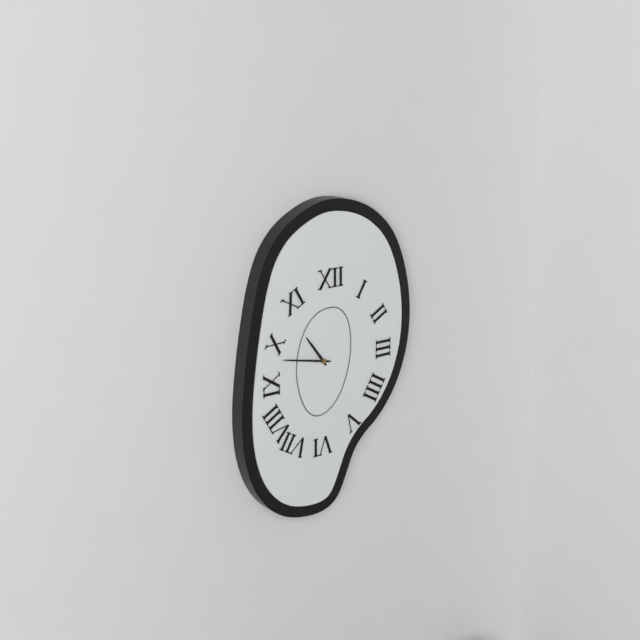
{"hour": 10, "minute": 47}
